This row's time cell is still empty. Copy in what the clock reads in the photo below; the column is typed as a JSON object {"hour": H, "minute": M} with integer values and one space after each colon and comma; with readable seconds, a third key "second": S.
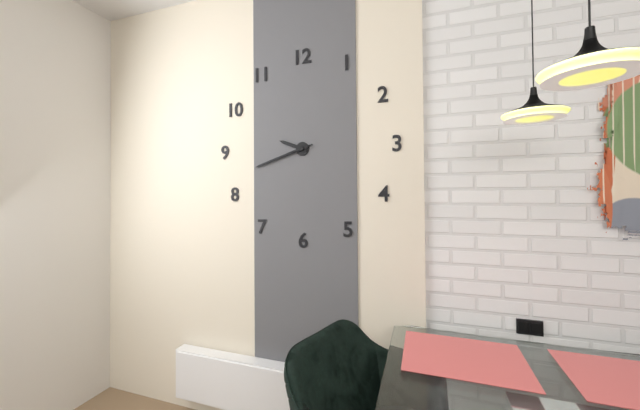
{"hour": 9, "minute": 42, "second": 42}
